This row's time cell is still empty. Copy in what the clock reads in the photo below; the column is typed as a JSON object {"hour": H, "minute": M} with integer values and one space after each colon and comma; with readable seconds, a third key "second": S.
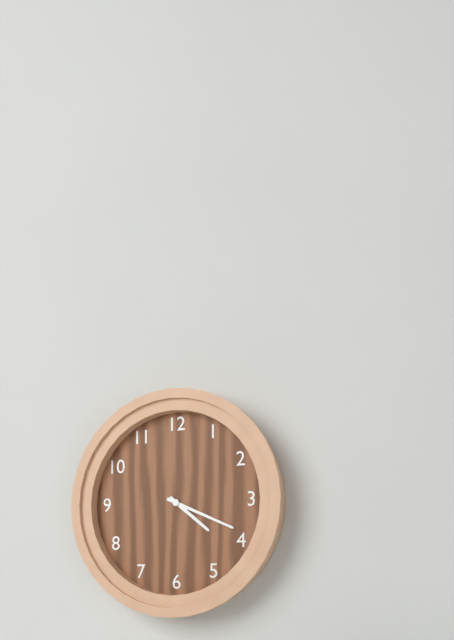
{"hour": 4, "minute": 19}
